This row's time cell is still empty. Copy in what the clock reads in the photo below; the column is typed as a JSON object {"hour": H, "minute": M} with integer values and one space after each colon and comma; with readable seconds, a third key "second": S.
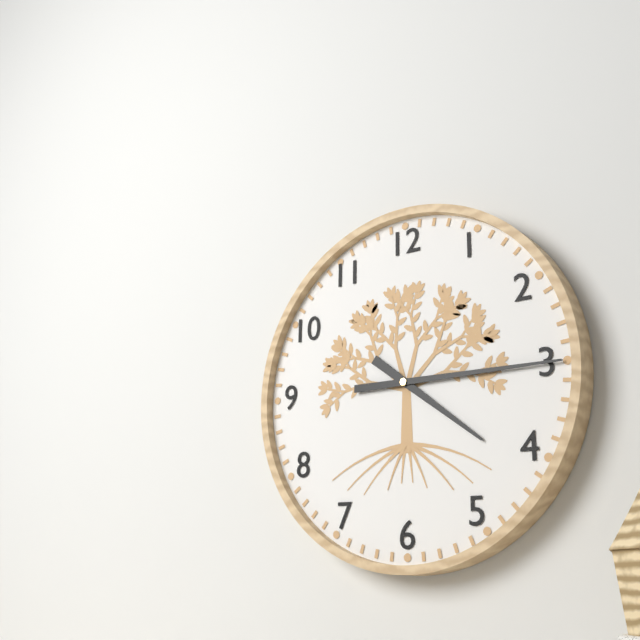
{"hour": 4, "minute": 15}
